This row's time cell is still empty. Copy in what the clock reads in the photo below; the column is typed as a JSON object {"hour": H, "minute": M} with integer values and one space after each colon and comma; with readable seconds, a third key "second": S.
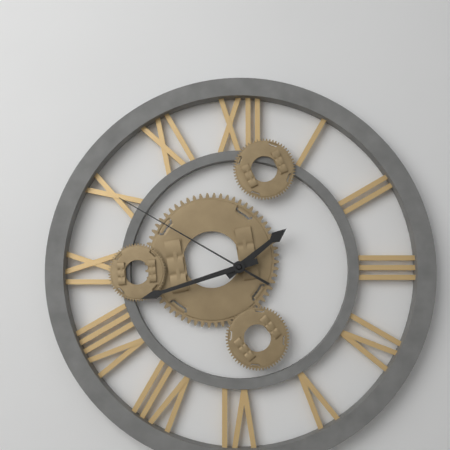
{"hour": 1, "minute": 42, "second": 50}
